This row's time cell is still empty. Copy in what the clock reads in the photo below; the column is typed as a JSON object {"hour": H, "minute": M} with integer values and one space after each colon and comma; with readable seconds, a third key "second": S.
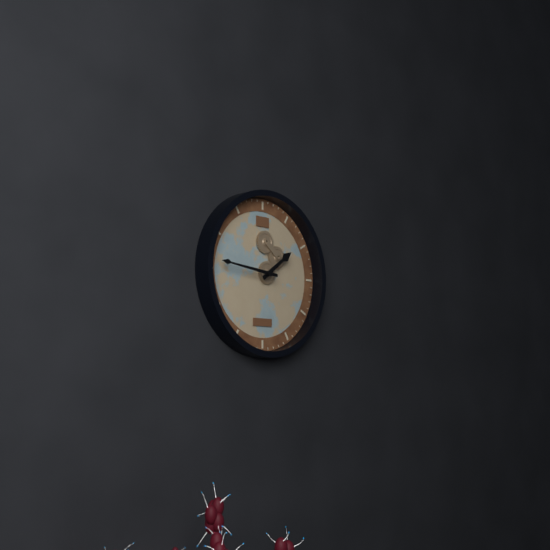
{"hour": 1, "minute": 46}
